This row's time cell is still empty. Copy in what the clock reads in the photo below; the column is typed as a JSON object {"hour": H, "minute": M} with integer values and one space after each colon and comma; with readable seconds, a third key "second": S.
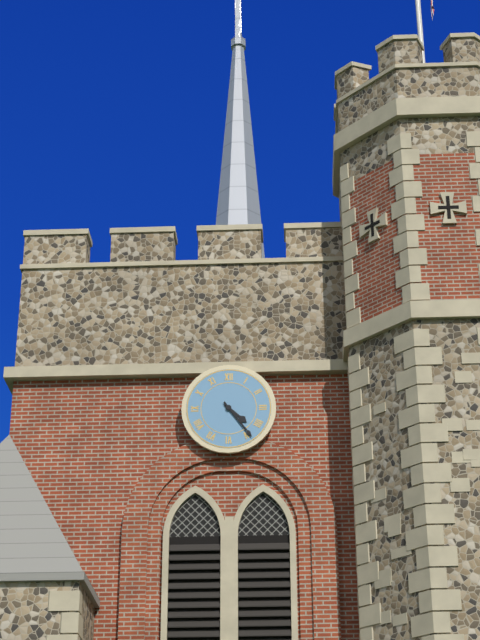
{"hour": 4, "minute": 24}
